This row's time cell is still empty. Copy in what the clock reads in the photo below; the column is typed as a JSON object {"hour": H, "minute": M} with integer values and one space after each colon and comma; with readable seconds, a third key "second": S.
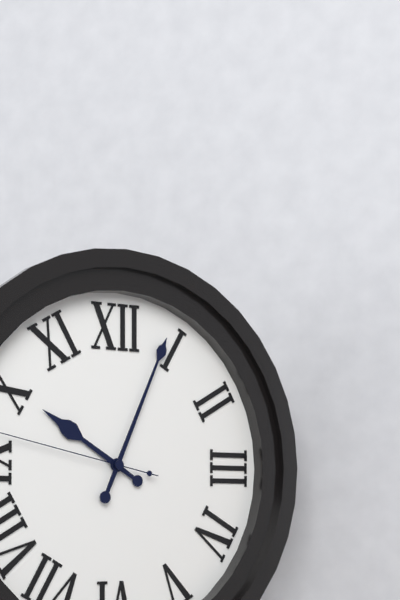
{"hour": 10, "minute": 4}
